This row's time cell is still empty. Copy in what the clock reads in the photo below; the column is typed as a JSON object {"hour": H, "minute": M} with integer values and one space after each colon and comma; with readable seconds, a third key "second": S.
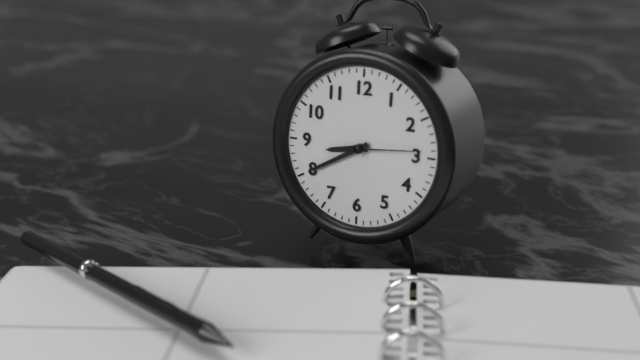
{"hour": 8, "minute": 40, "second": 14}
